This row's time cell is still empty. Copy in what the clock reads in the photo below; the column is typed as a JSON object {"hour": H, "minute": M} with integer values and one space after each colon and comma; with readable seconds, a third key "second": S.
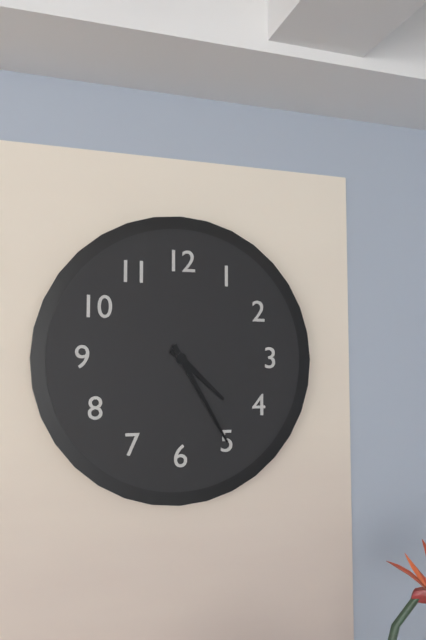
{"hour": 4, "minute": 25}
